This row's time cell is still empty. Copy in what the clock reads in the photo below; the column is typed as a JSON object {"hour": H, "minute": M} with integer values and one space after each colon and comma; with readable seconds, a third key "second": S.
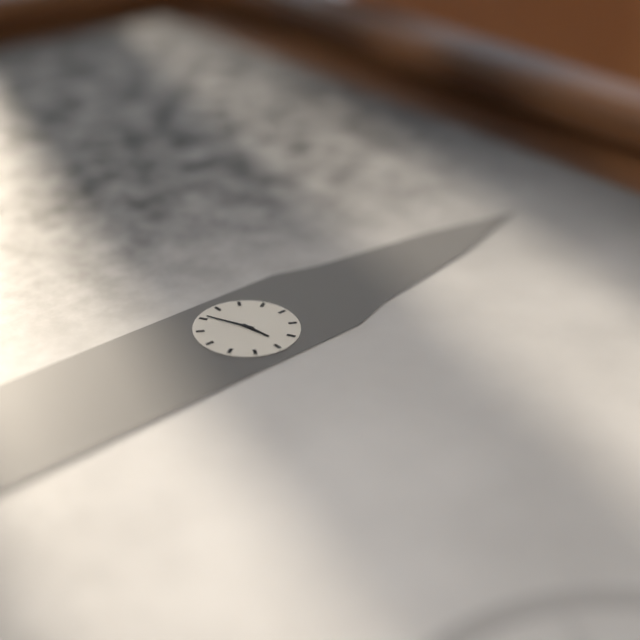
{"hour": 2, "minute": 41}
